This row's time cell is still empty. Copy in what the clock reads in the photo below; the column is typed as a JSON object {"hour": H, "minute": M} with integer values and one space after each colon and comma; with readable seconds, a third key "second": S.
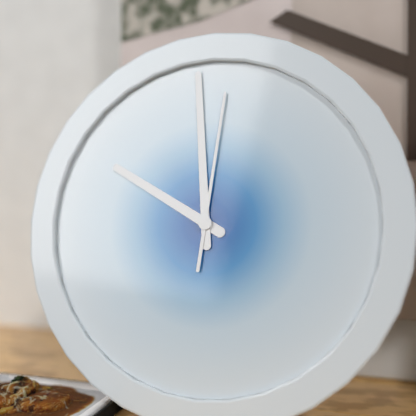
{"hour": 9, "minute": 59, "second": 1}
